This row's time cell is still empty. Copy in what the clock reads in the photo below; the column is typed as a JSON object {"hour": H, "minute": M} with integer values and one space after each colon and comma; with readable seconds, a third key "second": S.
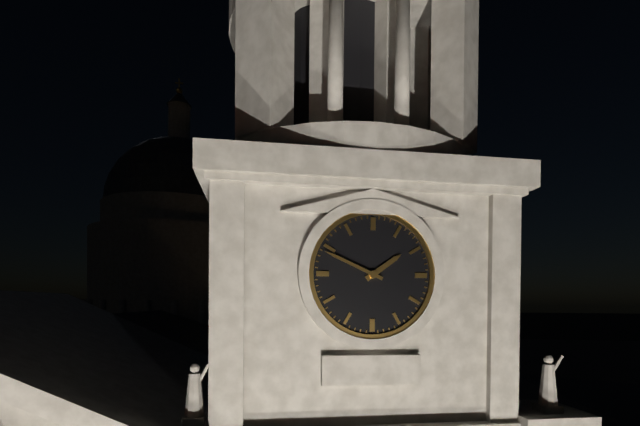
{"hour": 1, "minute": 49}
